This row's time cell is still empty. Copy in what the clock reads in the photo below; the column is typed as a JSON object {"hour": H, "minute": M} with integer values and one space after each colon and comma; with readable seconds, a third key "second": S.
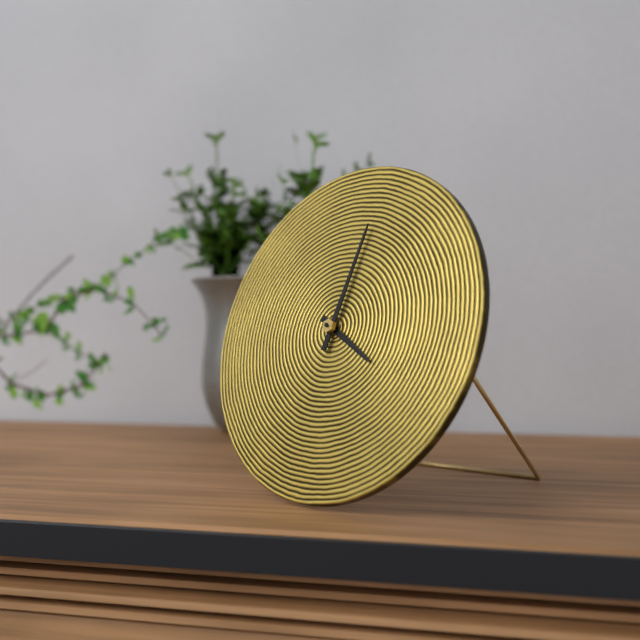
{"hour": 4, "minute": 2}
